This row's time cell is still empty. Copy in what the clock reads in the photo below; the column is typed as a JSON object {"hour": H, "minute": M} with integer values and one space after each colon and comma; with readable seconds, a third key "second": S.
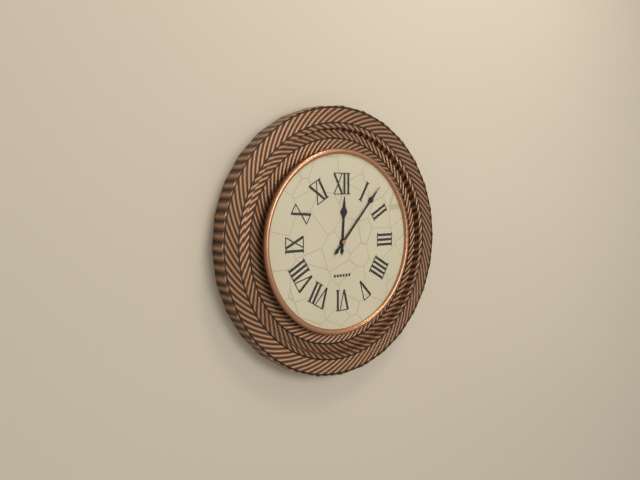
{"hour": 12, "minute": 7}
